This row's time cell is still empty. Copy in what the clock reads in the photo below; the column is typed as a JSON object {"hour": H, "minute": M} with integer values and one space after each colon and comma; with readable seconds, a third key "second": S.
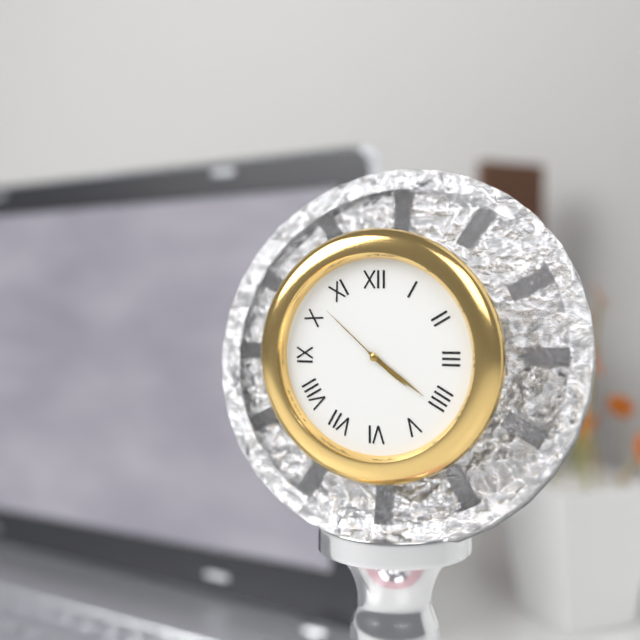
{"hour": 4, "minute": 21, "second": 52}
